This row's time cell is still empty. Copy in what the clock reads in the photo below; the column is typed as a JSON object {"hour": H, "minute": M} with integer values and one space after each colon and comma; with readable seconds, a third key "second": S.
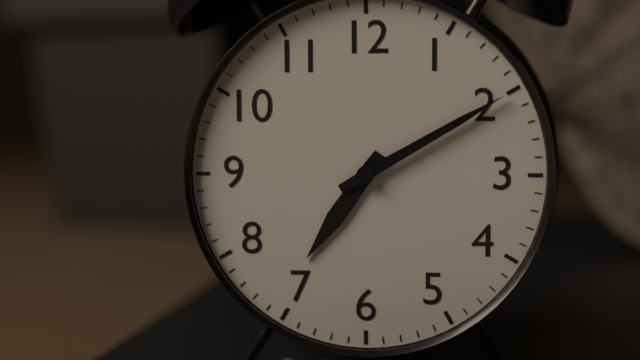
{"hour": 7, "minute": 10}
